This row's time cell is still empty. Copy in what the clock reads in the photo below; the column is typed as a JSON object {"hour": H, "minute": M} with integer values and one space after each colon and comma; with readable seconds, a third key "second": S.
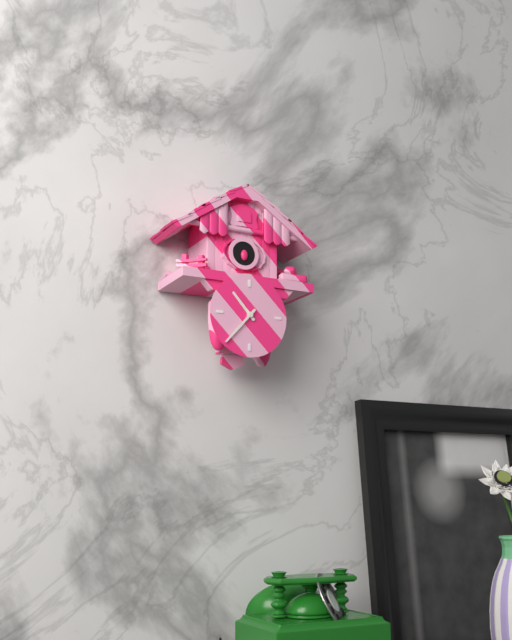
{"hour": 10, "minute": 37}
